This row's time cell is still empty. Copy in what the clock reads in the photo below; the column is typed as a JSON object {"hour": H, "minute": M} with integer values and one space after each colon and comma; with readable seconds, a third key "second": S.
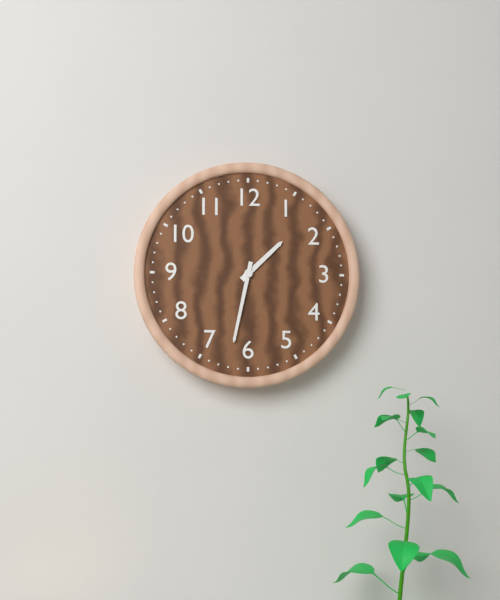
{"hour": 1, "minute": 32}
